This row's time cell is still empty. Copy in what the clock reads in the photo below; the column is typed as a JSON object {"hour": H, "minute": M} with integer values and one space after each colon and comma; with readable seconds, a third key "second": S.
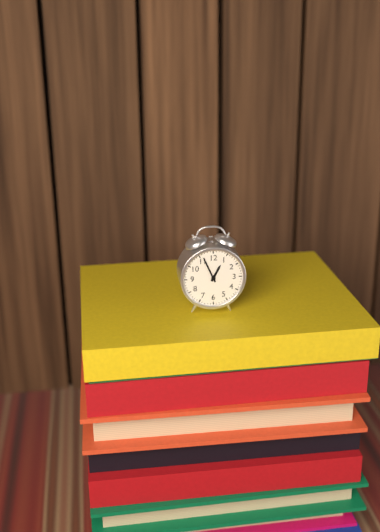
{"hour": 12, "minute": 56}
